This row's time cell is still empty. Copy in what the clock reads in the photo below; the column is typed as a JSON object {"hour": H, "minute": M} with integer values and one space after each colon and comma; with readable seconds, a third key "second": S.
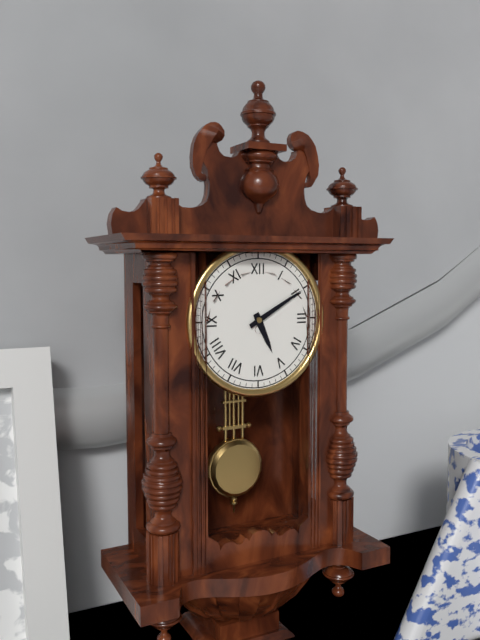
{"hour": 5, "minute": 10}
